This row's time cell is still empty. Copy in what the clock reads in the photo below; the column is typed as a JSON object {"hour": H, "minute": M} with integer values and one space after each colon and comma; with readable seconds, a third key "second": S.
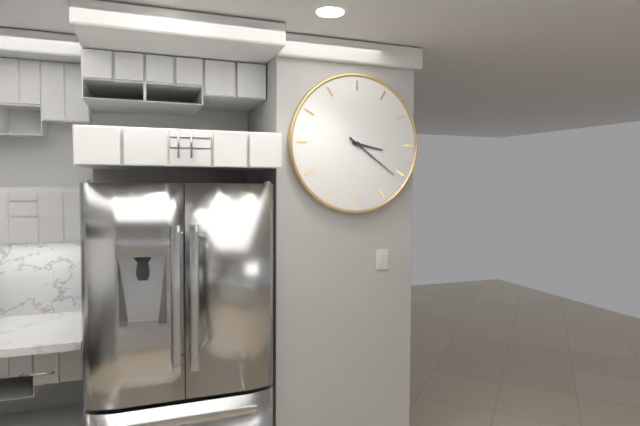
{"hour": 3, "minute": 21}
